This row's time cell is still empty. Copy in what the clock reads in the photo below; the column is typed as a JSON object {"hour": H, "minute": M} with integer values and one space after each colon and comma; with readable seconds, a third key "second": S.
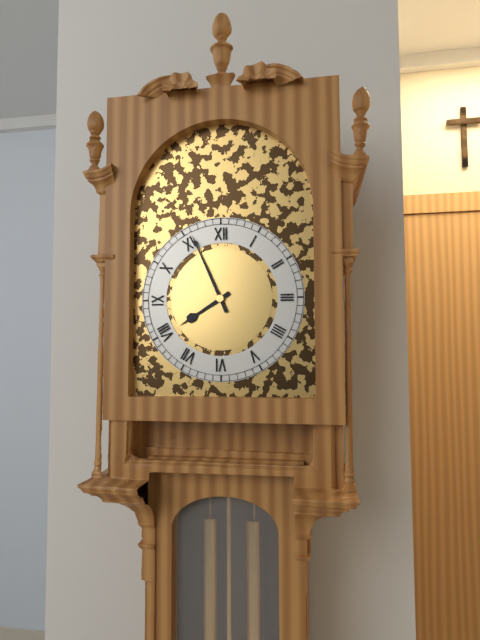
{"hour": 7, "minute": 56}
